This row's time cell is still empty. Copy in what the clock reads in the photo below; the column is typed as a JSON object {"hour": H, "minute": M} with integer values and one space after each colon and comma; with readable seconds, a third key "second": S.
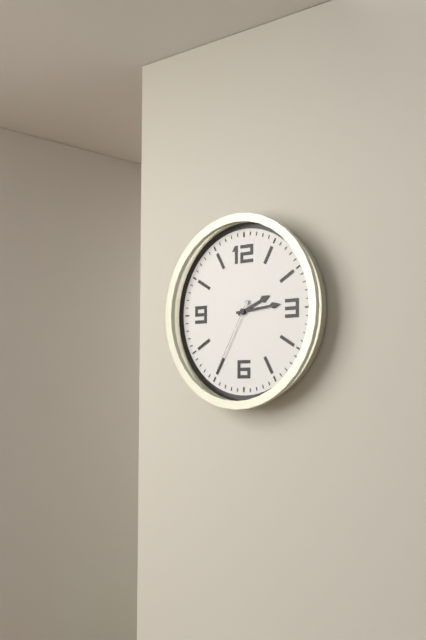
{"hour": 2, "minute": 14, "second": 35}
